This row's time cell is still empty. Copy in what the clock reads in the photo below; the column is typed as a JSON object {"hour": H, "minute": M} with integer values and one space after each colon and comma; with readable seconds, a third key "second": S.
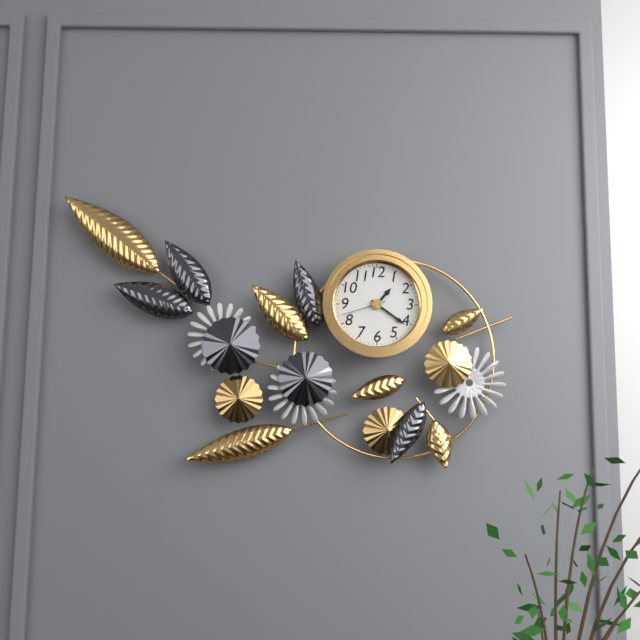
{"hour": 1, "minute": 21}
